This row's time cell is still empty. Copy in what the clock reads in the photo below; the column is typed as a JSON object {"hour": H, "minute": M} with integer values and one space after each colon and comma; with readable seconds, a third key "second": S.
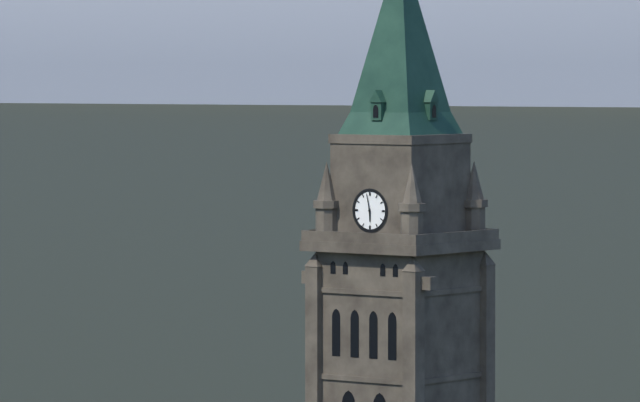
{"hour": 5, "minute": 58}
